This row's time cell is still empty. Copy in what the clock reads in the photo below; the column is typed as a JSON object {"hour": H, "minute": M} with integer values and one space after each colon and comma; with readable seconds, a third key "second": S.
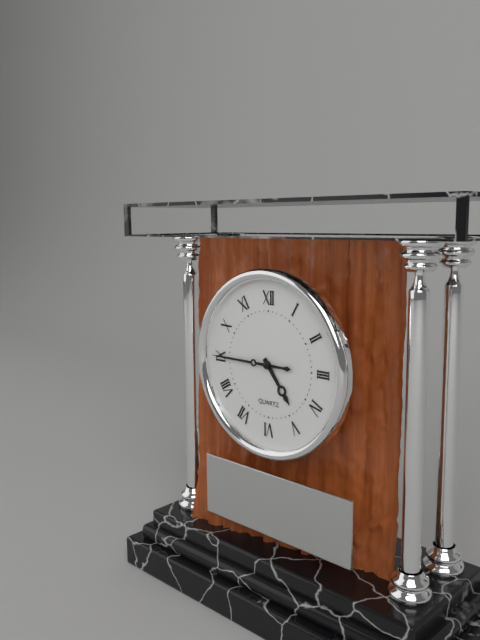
{"hour": 4, "minute": 45}
